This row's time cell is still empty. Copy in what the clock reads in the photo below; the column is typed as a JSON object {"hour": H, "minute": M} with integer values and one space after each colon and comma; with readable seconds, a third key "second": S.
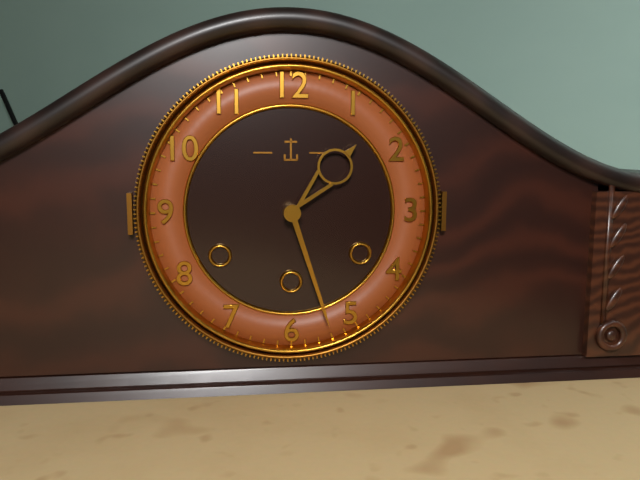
{"hour": 1, "minute": 27}
